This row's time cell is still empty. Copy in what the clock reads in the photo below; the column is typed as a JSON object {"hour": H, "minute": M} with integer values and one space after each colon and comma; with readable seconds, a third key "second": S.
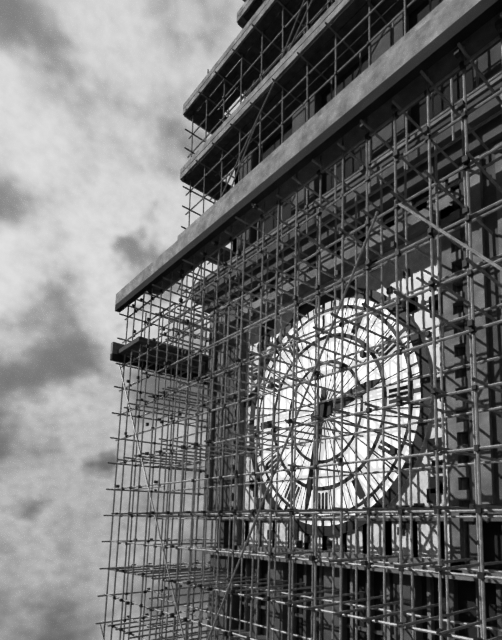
{"hour": 2, "minute": 32}
